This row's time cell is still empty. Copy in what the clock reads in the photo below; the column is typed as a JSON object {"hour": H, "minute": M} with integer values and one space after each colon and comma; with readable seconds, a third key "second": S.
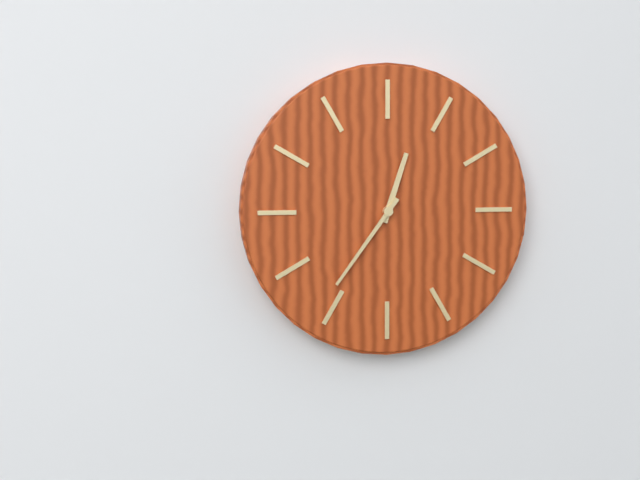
{"hour": 12, "minute": 36}
